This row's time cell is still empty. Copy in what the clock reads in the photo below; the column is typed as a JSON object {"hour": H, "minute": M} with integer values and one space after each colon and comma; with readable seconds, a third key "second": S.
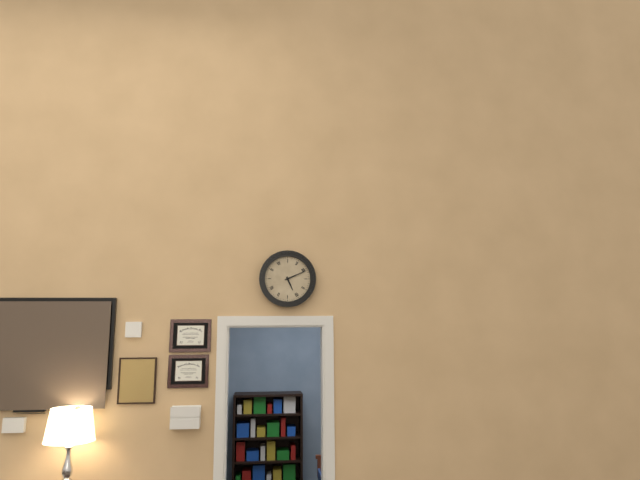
{"hour": 5, "minute": 11}
